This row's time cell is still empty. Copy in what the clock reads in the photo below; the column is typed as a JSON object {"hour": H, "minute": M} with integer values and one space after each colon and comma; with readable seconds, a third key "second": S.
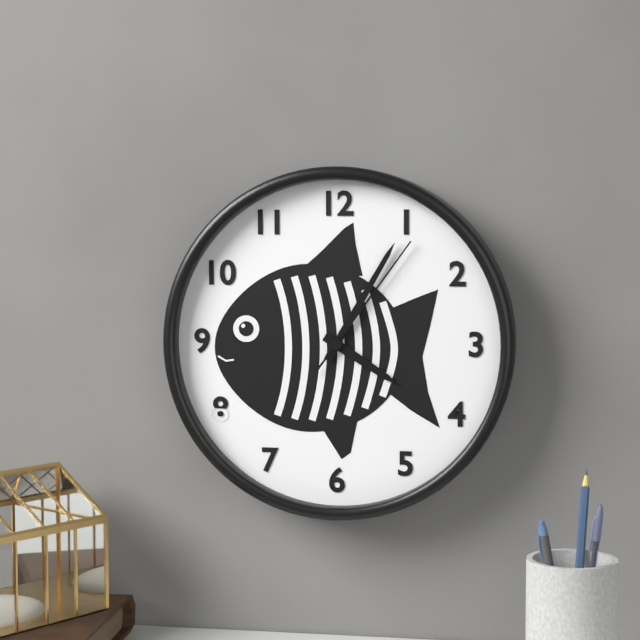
{"hour": 4, "minute": 5, "second": 6}
